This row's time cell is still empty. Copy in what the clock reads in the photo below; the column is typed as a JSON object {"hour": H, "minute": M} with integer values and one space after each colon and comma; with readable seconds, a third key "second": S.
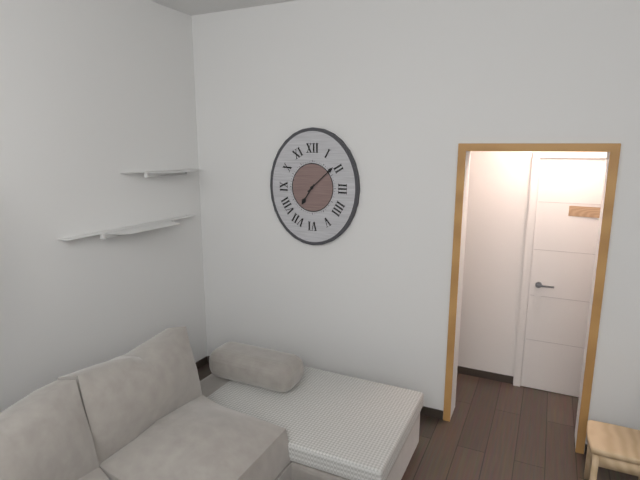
{"hour": 7, "minute": 8}
